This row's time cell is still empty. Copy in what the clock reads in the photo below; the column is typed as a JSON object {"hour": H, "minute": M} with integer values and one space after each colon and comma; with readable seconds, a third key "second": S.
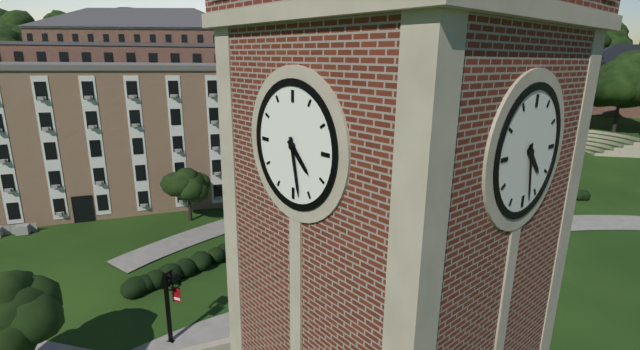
{"hour": 4, "minute": 28}
